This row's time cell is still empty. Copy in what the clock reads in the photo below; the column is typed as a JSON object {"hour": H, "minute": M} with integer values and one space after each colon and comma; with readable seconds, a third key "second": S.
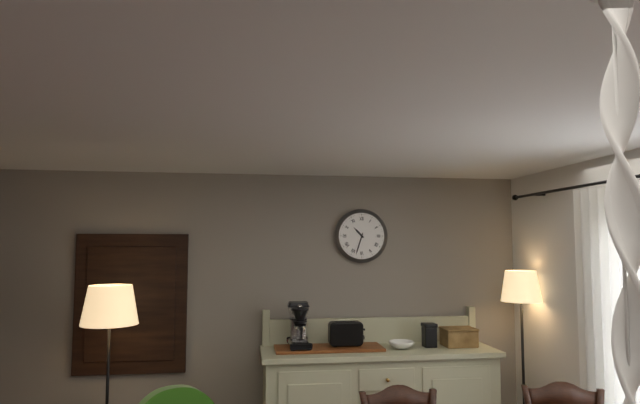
{"hour": 10, "minute": 33}
